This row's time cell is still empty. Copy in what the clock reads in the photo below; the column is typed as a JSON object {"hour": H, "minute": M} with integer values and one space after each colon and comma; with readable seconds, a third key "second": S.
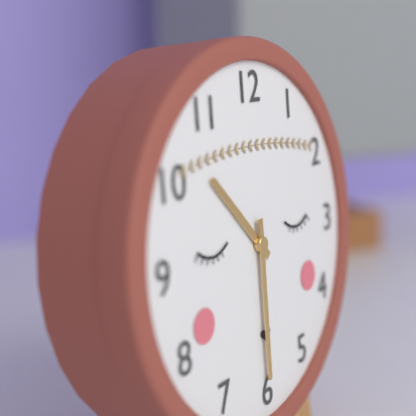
{"hour": 10, "minute": 30}
